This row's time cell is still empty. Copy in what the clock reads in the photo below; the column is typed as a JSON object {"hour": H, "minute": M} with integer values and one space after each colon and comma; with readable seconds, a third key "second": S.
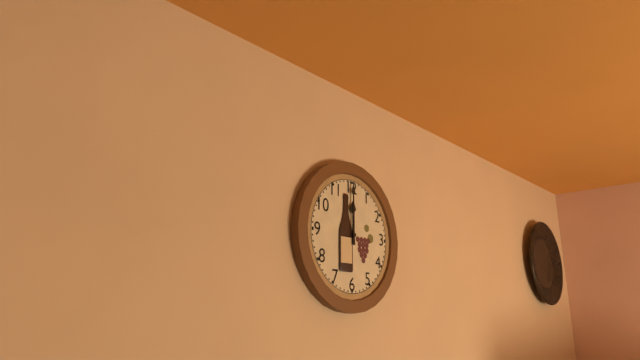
{"hour": 12, "minute": 0}
